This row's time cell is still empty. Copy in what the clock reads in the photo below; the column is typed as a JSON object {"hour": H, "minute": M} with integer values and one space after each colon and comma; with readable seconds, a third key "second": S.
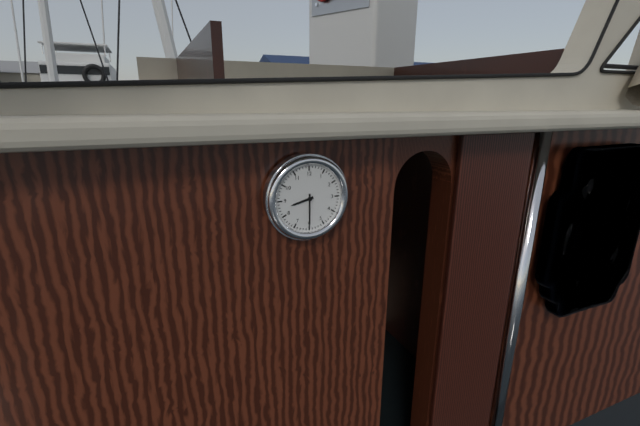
{"hour": 8, "minute": 30}
